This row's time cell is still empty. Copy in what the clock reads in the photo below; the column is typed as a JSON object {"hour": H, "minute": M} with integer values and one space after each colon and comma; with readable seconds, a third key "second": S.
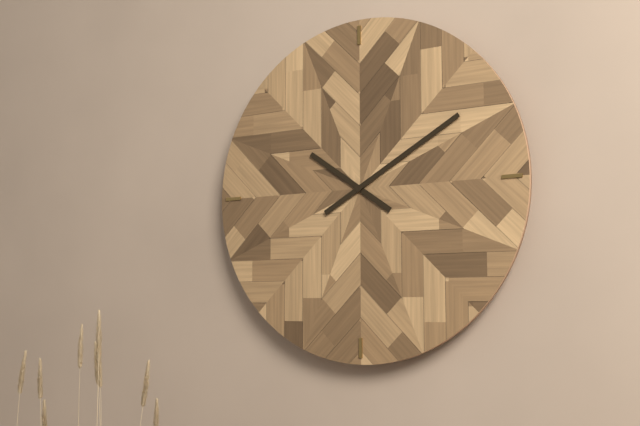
{"hour": 10, "minute": 10}
